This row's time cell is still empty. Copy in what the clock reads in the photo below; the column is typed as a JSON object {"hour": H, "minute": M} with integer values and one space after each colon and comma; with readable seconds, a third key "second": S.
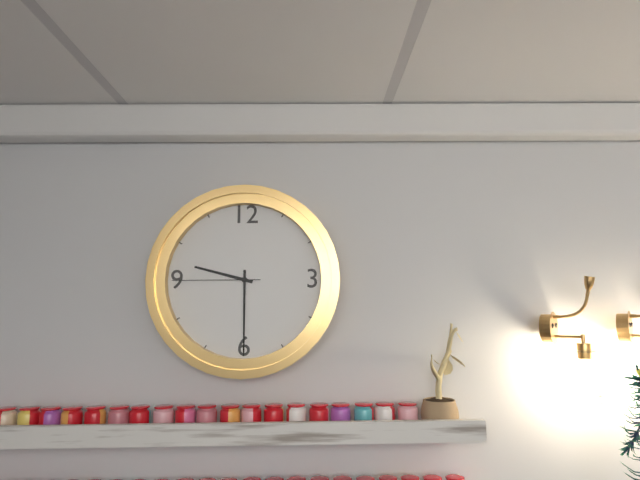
{"hour": 9, "minute": 30, "second": 45}
